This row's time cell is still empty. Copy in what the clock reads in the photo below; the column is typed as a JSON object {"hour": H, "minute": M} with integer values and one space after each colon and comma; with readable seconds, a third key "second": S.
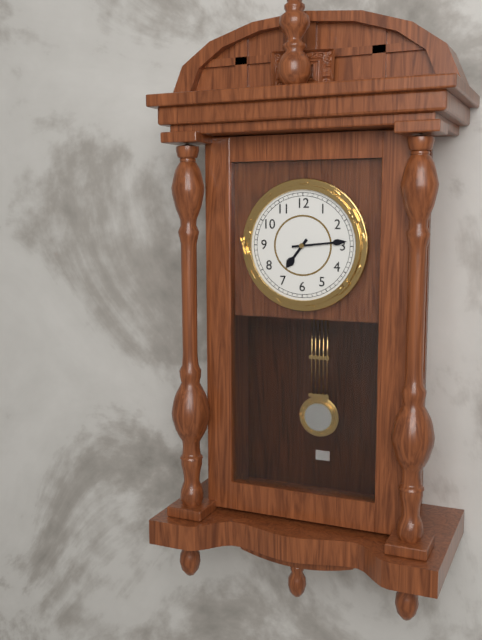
{"hour": 7, "minute": 14}
